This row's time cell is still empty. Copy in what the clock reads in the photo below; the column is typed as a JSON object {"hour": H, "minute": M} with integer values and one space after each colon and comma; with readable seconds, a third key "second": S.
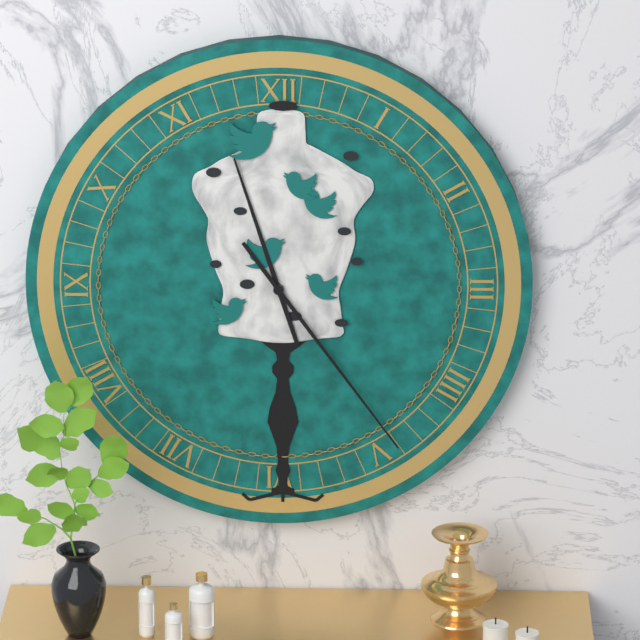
{"hour": 11, "minute": 24}
